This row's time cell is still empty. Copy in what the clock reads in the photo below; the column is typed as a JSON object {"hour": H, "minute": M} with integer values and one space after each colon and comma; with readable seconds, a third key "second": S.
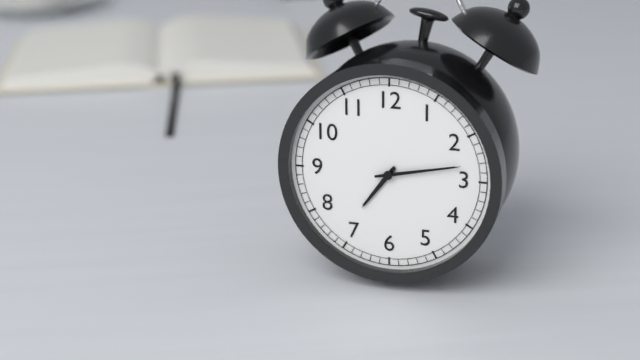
{"hour": 7, "minute": 13}
